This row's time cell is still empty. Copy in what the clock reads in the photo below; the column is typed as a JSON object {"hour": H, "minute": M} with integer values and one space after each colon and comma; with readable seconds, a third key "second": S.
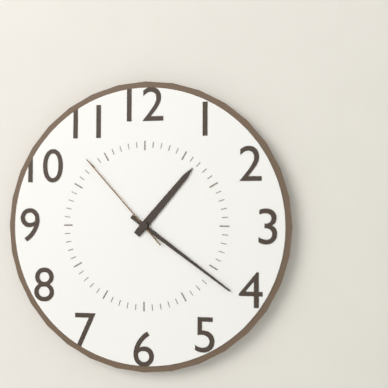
{"hour": 1, "minute": 21, "second": 53}
